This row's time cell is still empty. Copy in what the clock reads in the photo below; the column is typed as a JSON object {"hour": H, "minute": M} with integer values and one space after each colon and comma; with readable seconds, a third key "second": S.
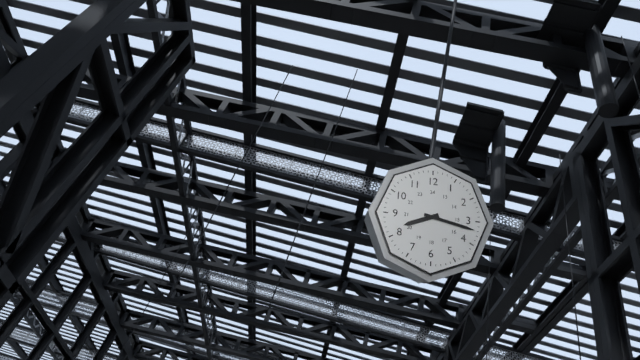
{"hour": 8, "minute": 17}
